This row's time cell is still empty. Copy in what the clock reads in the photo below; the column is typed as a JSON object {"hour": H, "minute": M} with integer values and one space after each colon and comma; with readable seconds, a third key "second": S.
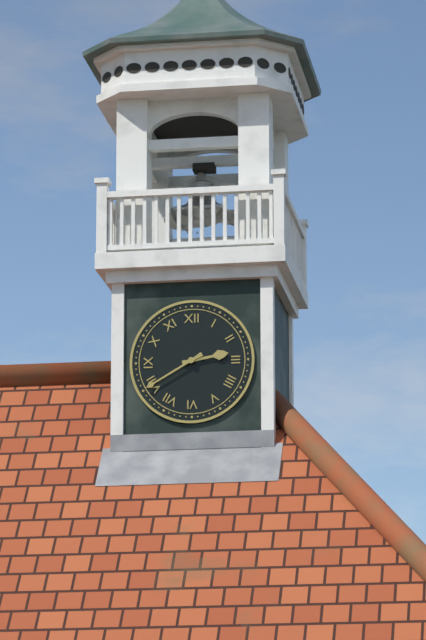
{"hour": 2, "minute": 40}
